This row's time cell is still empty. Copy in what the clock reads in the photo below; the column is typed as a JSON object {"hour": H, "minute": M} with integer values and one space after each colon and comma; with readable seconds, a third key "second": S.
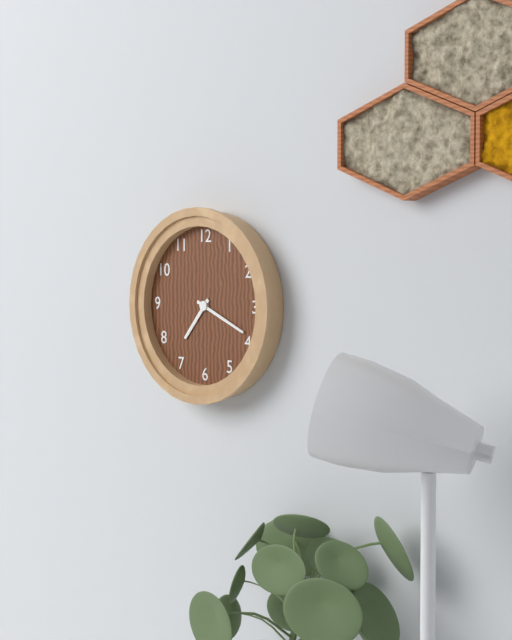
{"hour": 7, "minute": 19}
